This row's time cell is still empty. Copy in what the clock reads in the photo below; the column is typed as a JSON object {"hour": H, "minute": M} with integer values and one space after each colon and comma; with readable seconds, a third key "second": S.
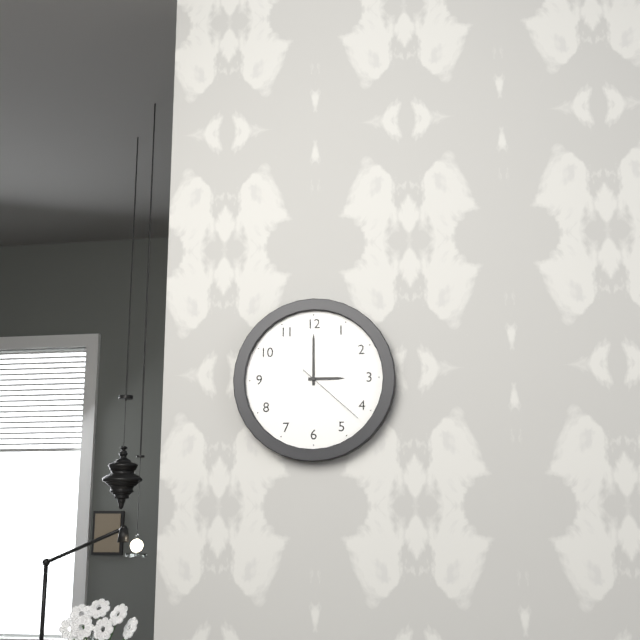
{"hour": 3, "minute": 0, "second": 22}
